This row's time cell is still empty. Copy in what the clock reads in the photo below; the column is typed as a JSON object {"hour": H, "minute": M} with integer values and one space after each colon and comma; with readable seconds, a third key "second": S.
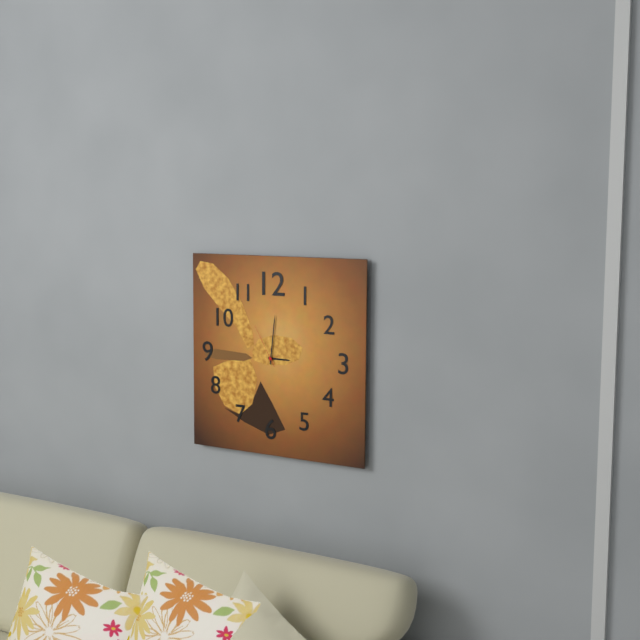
{"hour": 3, "minute": 1}
